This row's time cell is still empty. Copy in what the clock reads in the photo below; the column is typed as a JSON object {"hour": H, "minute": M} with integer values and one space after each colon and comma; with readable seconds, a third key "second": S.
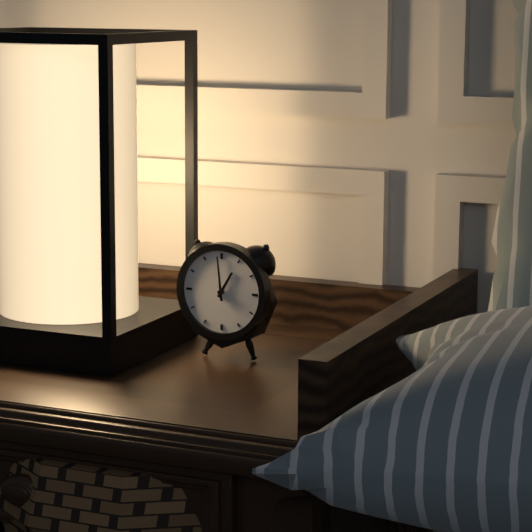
{"hour": 12, "minute": 59}
